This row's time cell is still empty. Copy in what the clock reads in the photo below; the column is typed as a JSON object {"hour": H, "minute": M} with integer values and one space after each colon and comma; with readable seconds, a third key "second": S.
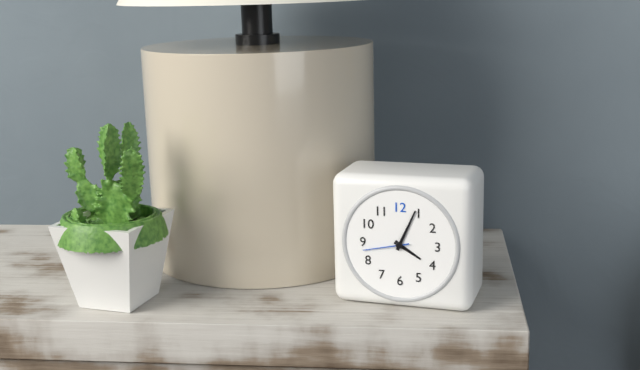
{"hour": 4, "minute": 4}
